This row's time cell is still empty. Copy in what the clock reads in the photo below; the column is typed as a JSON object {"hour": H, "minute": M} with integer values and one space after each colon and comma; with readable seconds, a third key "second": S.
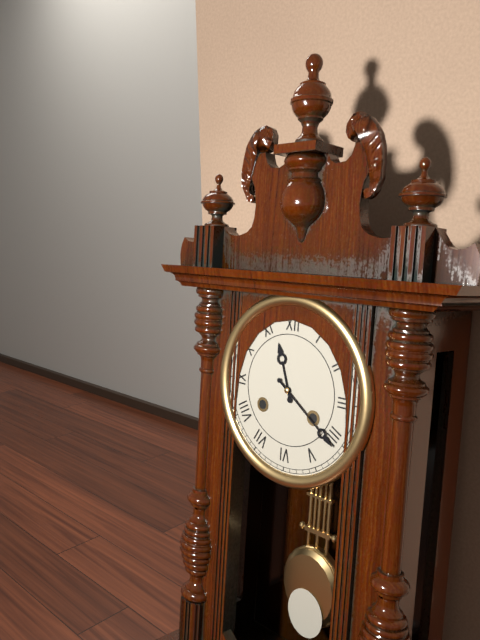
{"hour": 11, "minute": 21}
